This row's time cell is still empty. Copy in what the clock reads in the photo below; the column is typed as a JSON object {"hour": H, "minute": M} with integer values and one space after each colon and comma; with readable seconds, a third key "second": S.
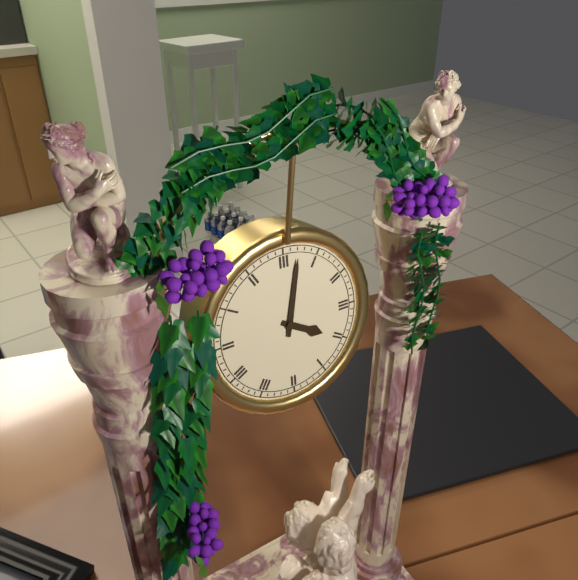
{"hour": 4, "minute": 2}
